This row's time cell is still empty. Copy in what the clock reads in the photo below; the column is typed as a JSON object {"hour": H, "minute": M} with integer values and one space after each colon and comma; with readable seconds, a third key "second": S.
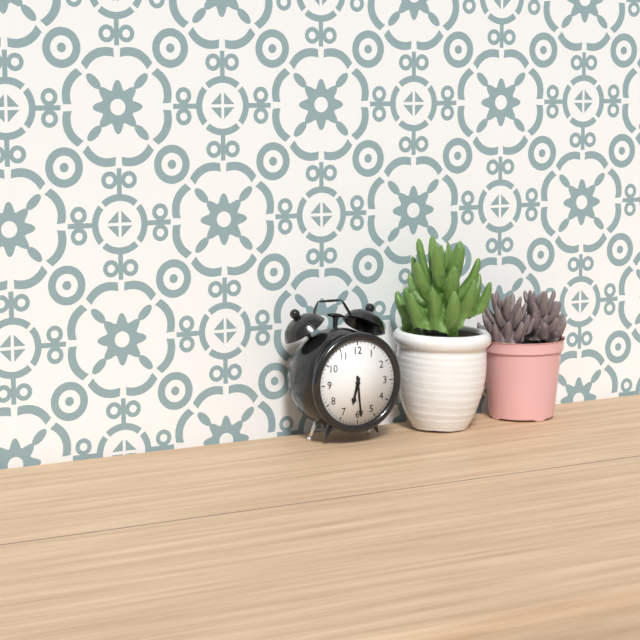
{"hour": 6, "minute": 29}
